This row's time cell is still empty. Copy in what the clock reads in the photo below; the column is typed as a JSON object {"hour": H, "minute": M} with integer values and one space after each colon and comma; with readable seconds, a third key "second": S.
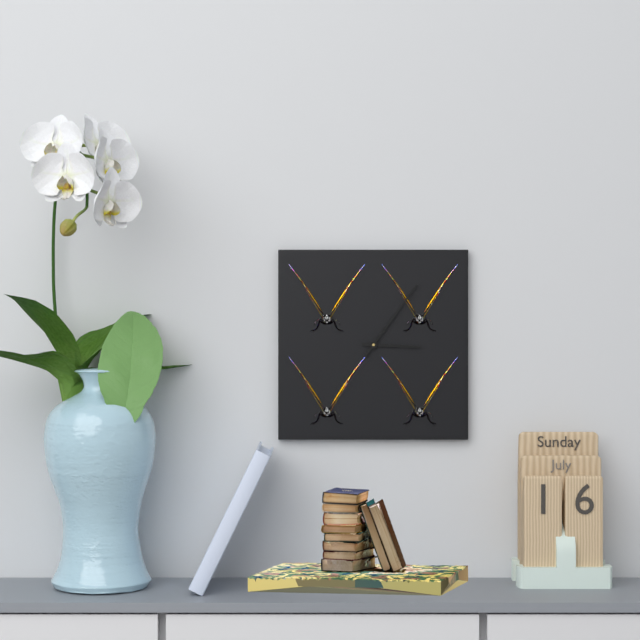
{"hour": 3, "minute": 6}
